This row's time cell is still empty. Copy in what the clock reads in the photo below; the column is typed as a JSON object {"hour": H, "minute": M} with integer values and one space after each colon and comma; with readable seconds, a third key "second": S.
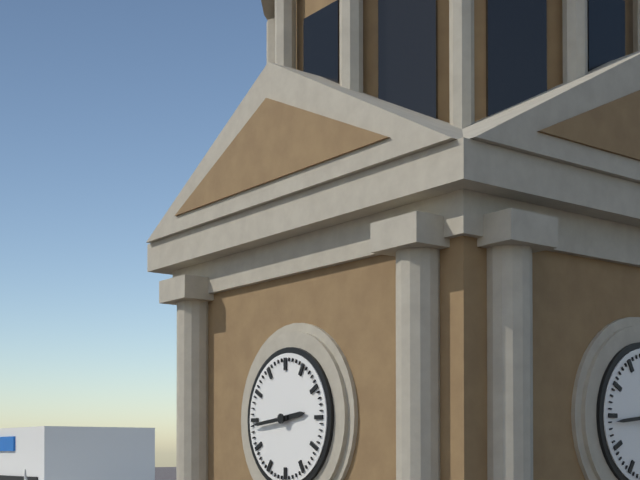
{"hour": 2, "minute": 44}
